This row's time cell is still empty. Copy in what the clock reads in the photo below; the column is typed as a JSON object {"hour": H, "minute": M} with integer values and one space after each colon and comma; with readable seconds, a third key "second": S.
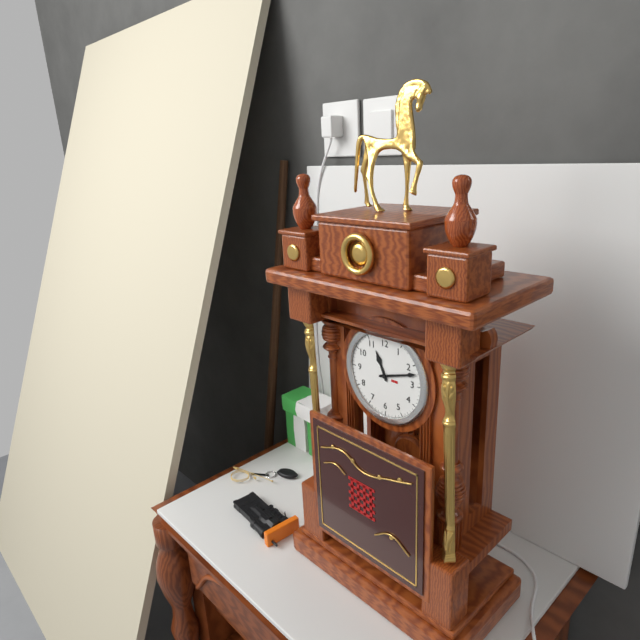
{"hour": 11, "minute": 12}
